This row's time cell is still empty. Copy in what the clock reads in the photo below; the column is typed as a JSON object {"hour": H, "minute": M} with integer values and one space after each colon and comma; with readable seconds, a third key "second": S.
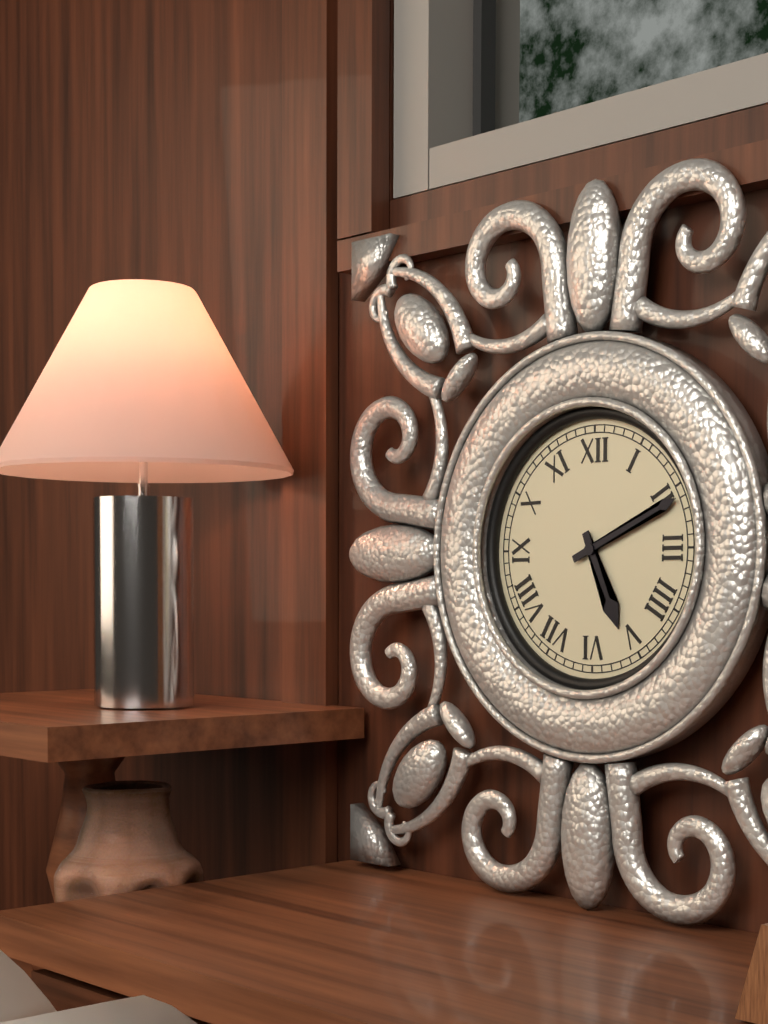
{"hour": 5, "minute": 11}
